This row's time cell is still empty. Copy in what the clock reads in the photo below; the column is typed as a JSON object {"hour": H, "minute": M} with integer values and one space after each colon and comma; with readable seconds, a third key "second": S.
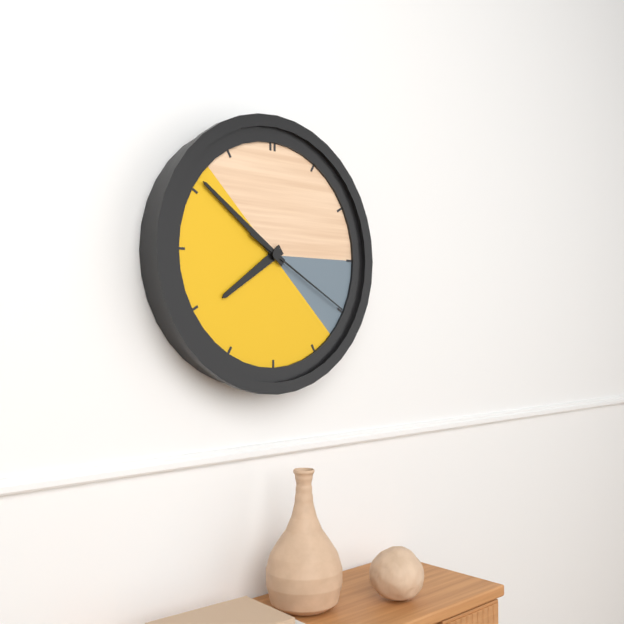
{"hour": 7, "minute": 51, "second": 20}
